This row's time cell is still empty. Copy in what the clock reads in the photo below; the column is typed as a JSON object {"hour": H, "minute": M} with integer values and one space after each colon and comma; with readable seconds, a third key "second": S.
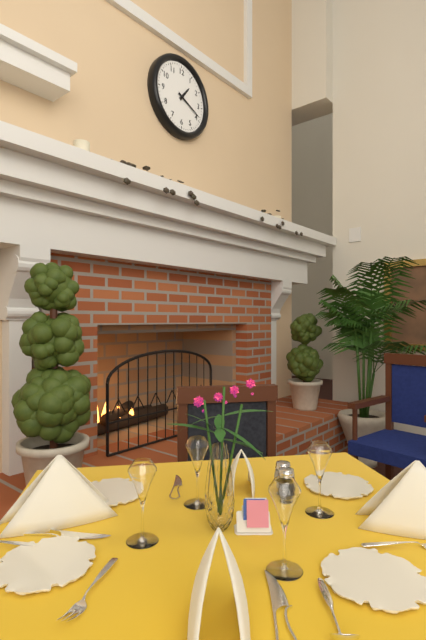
{"hour": 1, "minute": 19}
